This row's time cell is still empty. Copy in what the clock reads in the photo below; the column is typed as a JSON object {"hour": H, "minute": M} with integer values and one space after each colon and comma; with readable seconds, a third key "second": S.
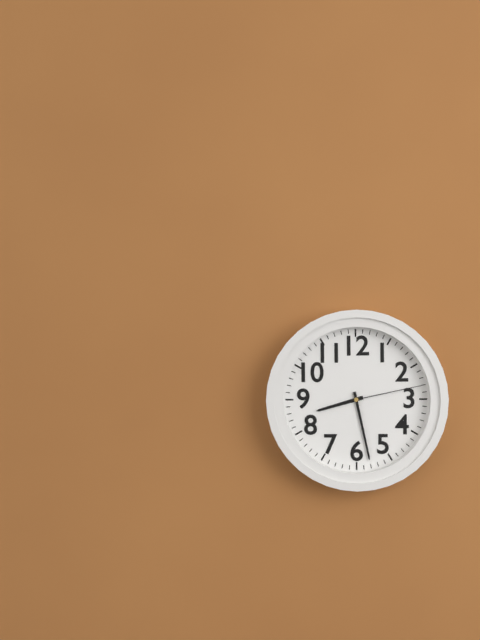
{"hour": 8, "minute": 28, "second": 13}
